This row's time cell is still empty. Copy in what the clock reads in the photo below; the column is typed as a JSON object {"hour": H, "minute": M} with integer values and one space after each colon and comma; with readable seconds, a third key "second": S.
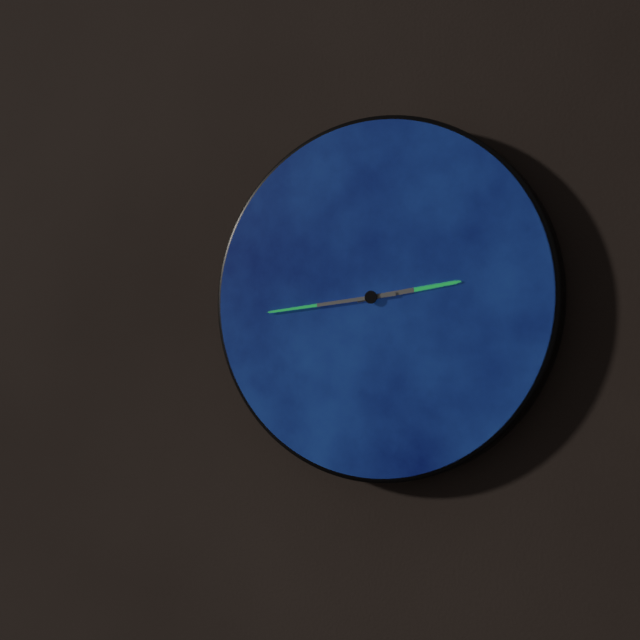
{"hour": 2, "minute": 44}
